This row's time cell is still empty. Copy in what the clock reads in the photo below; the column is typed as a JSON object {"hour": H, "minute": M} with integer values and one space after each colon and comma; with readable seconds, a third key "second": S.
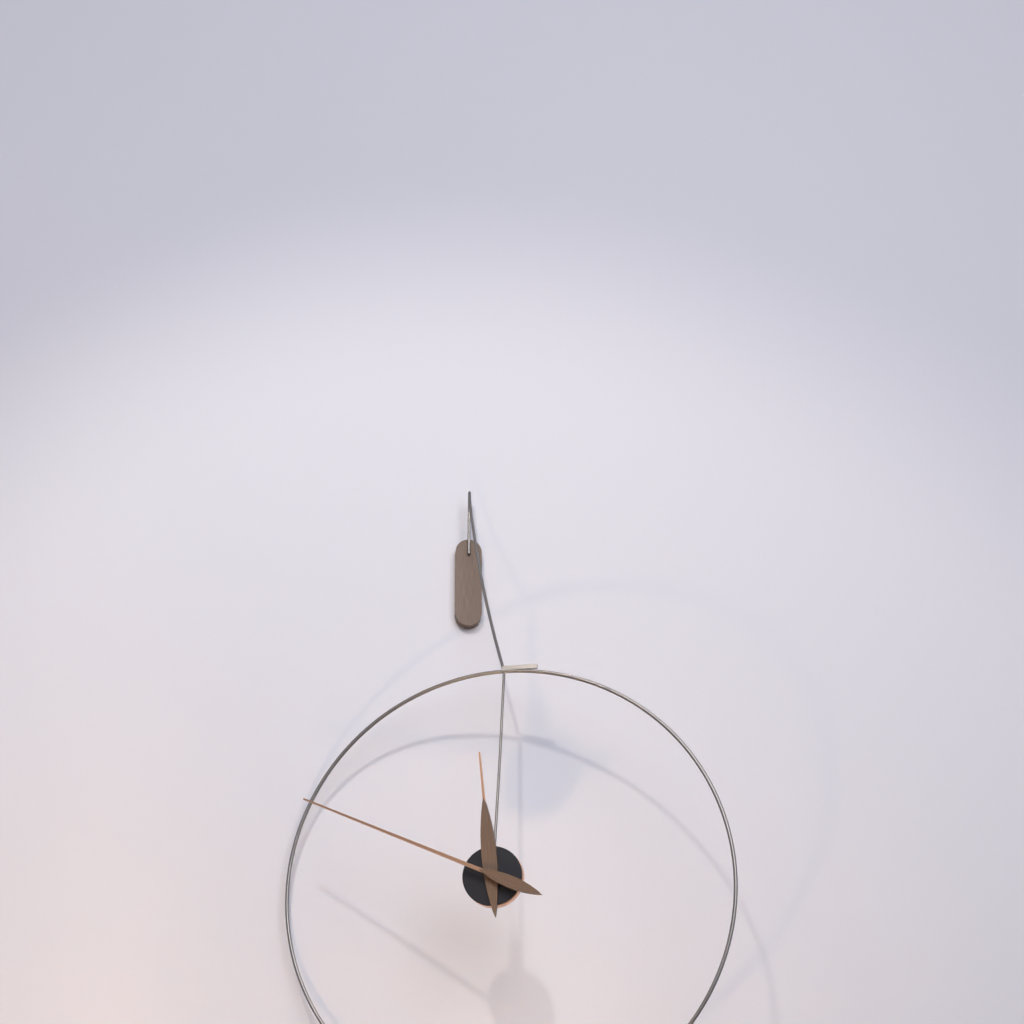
{"hour": 11, "minute": 49}
